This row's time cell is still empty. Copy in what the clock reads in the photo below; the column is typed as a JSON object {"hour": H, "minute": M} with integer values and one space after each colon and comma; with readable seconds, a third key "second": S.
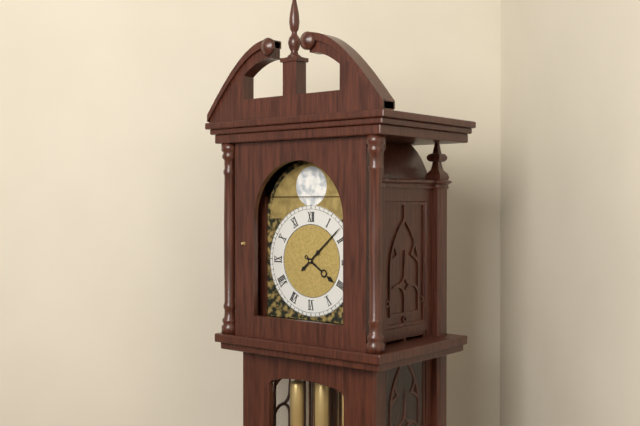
{"hour": 4, "minute": 8}
